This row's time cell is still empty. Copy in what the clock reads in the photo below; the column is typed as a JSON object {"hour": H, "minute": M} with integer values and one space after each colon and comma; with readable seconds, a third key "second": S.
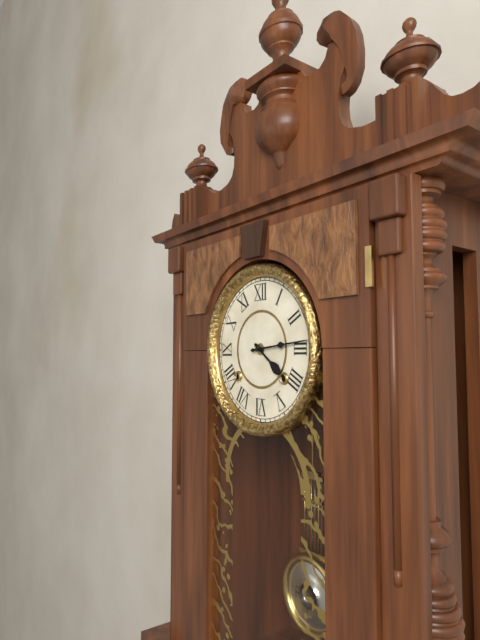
{"hour": 4, "minute": 14}
